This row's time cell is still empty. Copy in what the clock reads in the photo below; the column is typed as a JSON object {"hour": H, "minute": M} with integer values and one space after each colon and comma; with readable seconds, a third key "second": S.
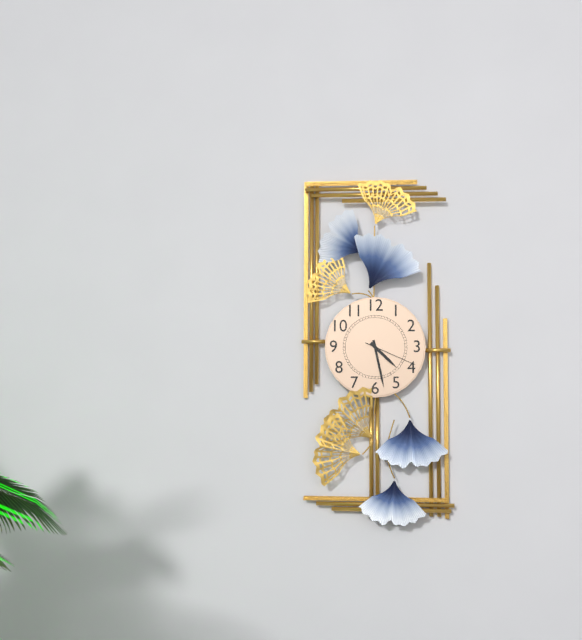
{"hour": 4, "minute": 28, "second": 19}
